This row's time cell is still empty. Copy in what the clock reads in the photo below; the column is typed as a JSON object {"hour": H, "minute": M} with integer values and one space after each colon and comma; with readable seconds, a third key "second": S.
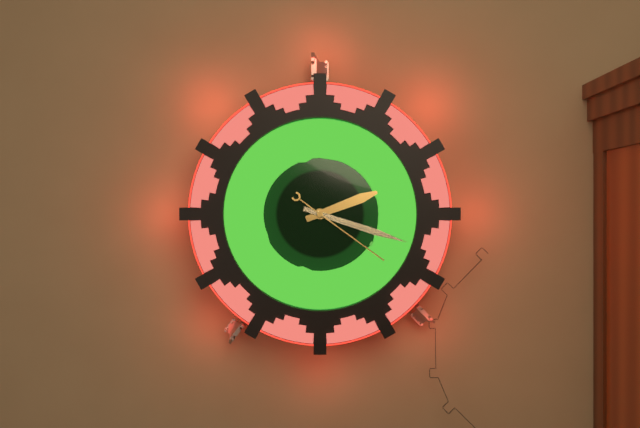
{"hour": 2, "minute": 18, "second": 21}
